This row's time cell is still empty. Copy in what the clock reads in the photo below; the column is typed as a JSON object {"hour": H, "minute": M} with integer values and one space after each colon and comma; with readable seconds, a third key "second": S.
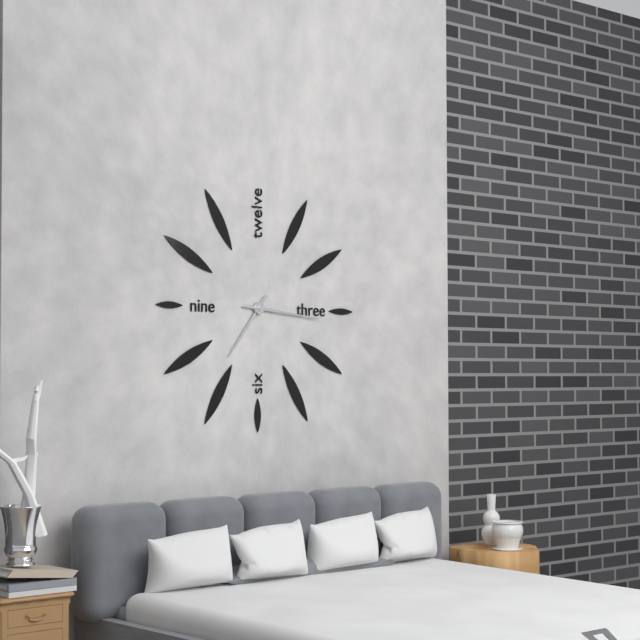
{"hour": 7, "minute": 16}
